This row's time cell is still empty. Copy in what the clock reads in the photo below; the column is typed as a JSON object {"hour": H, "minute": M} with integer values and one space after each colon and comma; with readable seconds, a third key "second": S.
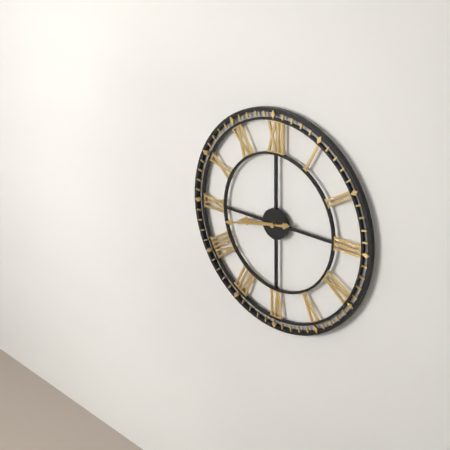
{"hour": 8, "minute": 43}
